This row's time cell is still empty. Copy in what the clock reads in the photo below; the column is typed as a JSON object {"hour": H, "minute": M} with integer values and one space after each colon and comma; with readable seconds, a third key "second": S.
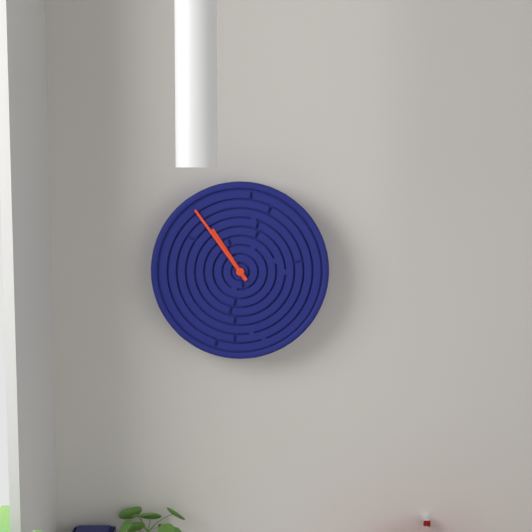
{"hour": 10, "minute": 54}
